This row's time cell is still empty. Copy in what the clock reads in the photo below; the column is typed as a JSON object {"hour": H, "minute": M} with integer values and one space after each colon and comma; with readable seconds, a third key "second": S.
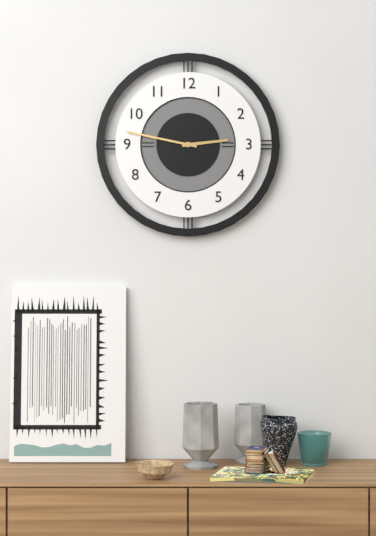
{"hour": 2, "minute": 47}
